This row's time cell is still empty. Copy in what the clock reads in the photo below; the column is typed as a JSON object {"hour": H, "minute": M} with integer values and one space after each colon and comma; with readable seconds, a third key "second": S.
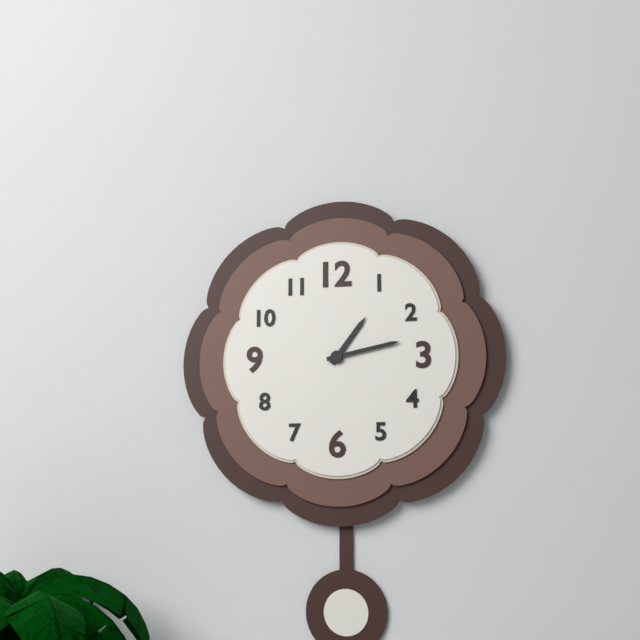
{"hour": 1, "minute": 13}
